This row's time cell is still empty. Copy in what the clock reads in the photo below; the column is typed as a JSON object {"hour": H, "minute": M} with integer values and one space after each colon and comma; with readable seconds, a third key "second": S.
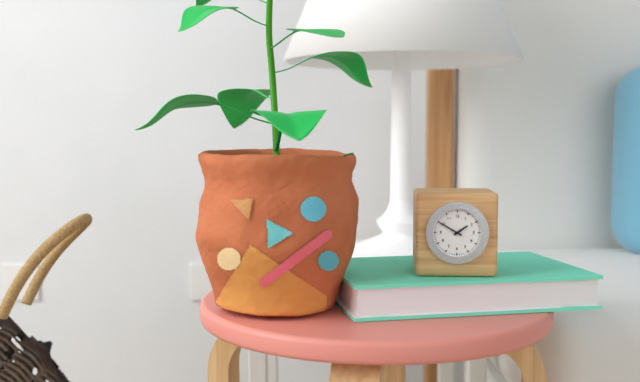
{"hour": 1, "minute": 50}
